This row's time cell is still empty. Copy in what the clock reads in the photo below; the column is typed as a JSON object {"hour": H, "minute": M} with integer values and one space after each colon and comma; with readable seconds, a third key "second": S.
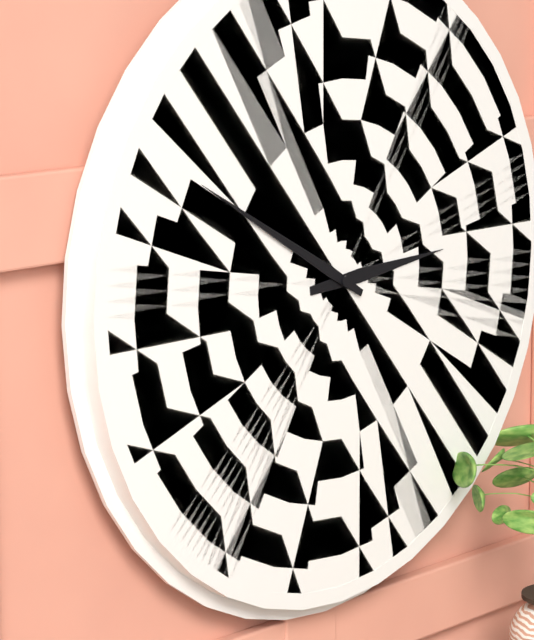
{"hour": 2, "minute": 50}
